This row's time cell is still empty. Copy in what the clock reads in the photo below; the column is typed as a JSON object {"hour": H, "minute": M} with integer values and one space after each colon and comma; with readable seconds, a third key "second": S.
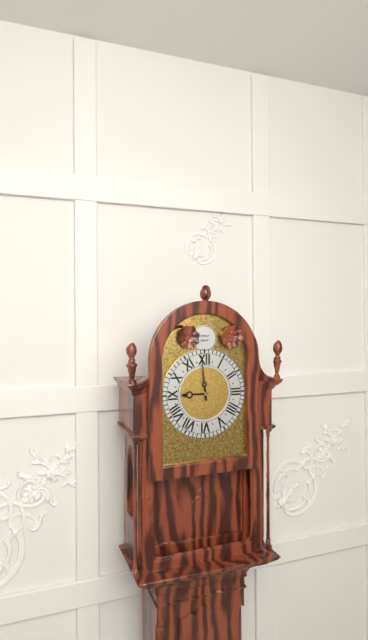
{"hour": 8, "minute": 59}
